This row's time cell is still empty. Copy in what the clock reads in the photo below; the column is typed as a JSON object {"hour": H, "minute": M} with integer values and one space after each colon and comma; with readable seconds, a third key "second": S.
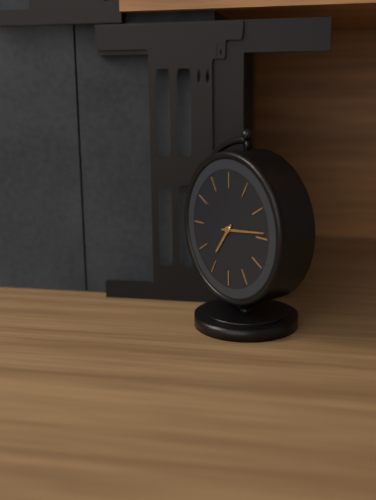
{"hour": 7, "minute": 14}
